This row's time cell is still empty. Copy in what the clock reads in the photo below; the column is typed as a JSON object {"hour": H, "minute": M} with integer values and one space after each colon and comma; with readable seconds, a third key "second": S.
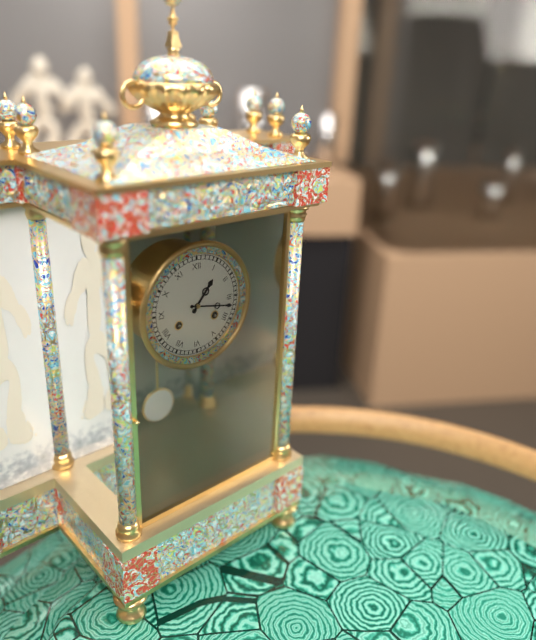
{"hour": 1, "minute": 17}
